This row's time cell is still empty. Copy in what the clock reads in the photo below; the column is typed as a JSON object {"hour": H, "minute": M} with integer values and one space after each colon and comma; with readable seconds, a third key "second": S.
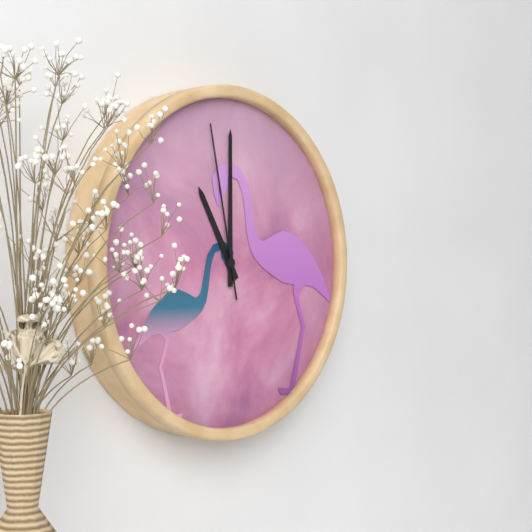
{"hour": 11, "minute": 0, "second": 58}
